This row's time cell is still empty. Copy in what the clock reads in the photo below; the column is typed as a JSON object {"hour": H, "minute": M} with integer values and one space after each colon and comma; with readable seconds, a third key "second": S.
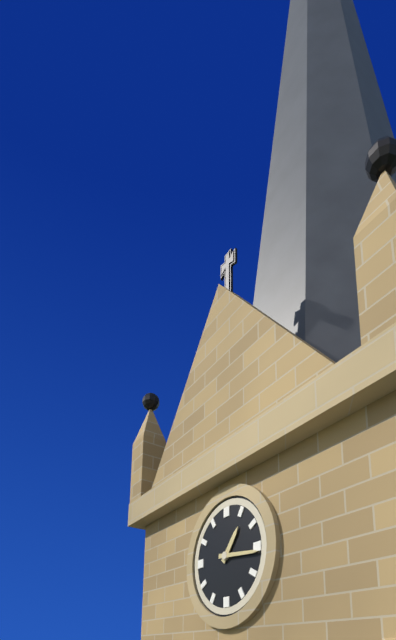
{"hour": 1, "minute": 16}
